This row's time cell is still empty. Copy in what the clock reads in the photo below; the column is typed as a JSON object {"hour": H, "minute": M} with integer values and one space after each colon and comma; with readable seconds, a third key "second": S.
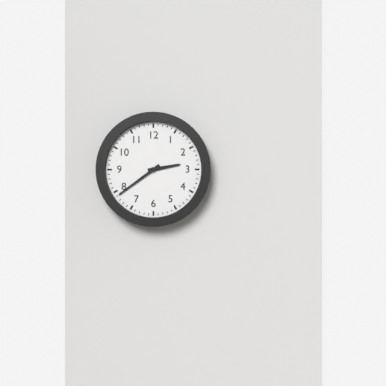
{"hour": 2, "minute": 39}
